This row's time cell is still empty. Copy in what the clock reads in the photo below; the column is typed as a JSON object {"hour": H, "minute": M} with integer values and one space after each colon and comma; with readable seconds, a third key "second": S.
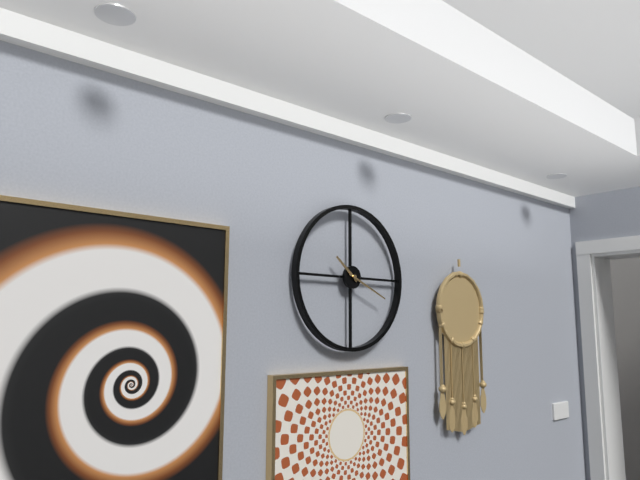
{"hour": 10, "minute": 19}
